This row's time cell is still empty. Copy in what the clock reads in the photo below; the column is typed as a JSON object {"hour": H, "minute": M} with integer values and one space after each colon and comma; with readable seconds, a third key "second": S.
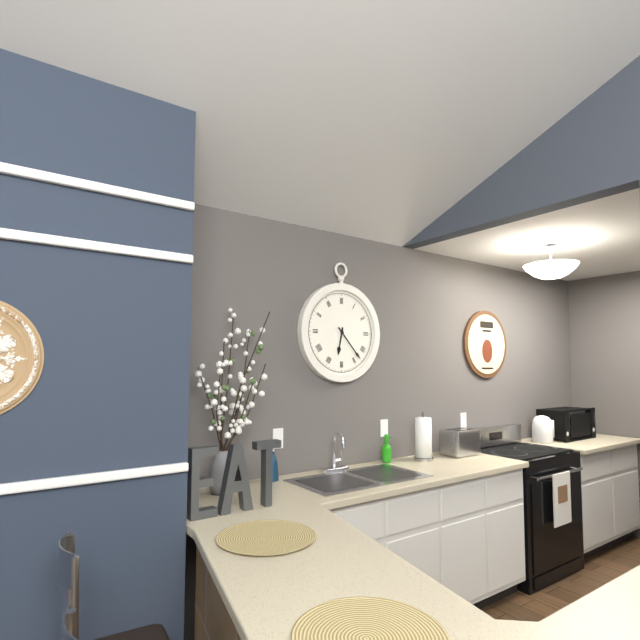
{"hour": 6, "minute": 23}
